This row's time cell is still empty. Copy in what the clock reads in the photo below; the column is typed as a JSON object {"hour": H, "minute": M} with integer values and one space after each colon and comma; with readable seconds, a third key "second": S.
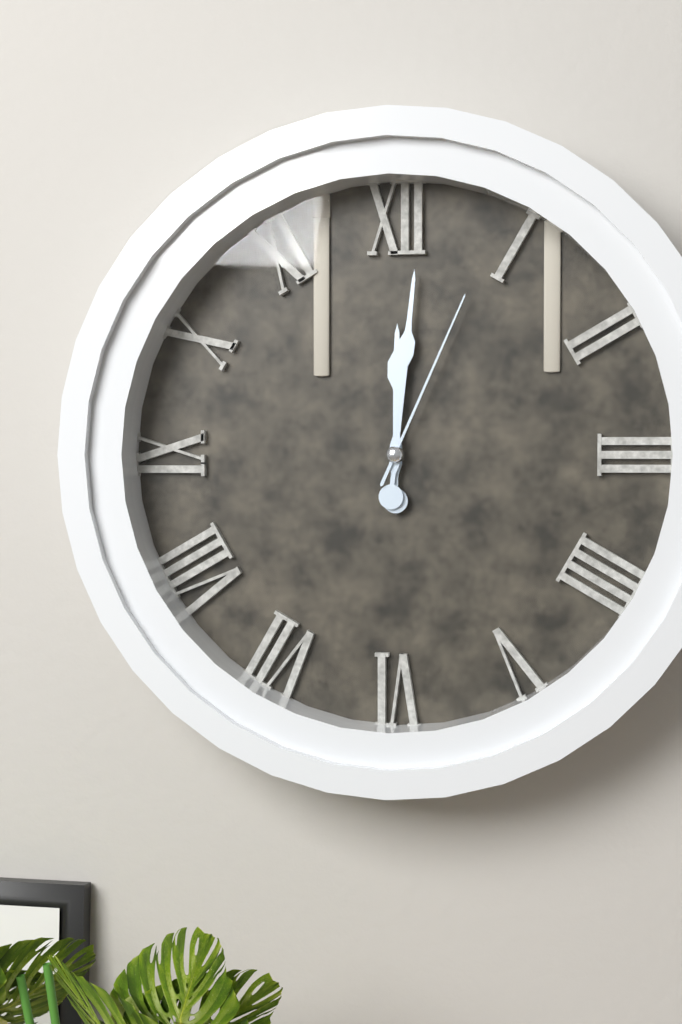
{"hour": 12, "minute": 1, "second": 4}
